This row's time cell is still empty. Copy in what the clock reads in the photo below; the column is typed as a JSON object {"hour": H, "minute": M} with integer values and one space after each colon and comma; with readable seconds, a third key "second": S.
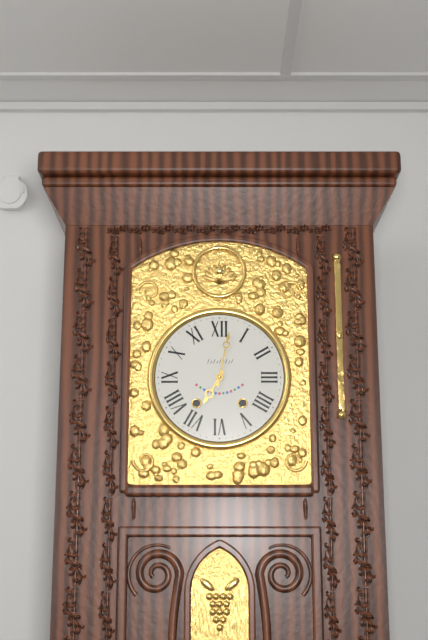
{"hour": 7, "minute": 2}
